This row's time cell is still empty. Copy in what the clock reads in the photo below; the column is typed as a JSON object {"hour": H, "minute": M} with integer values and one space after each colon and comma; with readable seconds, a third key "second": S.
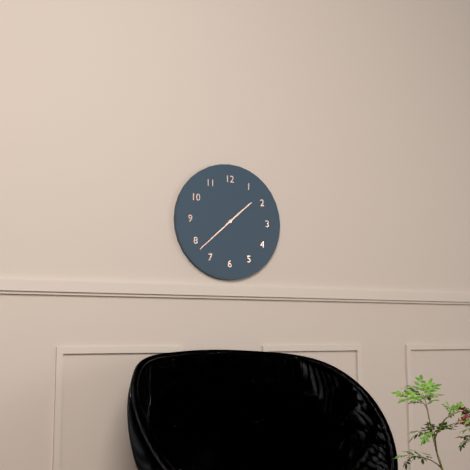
{"hour": 1, "minute": 38}
